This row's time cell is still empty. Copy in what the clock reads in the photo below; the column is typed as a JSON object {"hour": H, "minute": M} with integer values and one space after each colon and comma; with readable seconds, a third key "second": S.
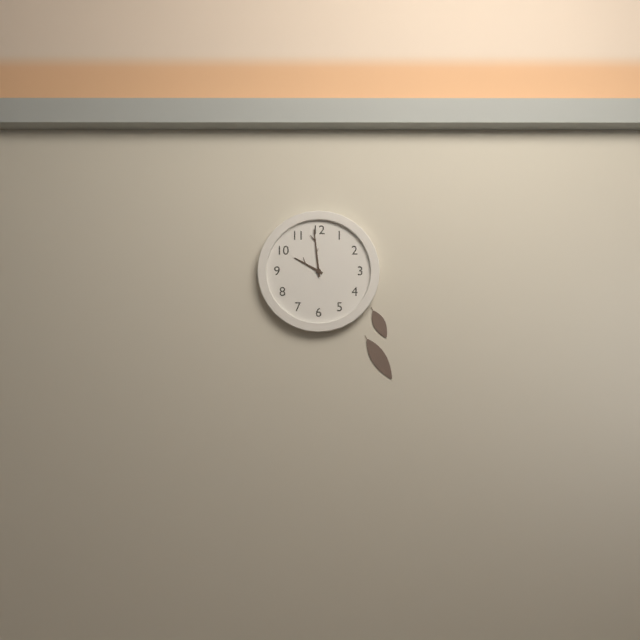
{"hour": 9, "minute": 59}
